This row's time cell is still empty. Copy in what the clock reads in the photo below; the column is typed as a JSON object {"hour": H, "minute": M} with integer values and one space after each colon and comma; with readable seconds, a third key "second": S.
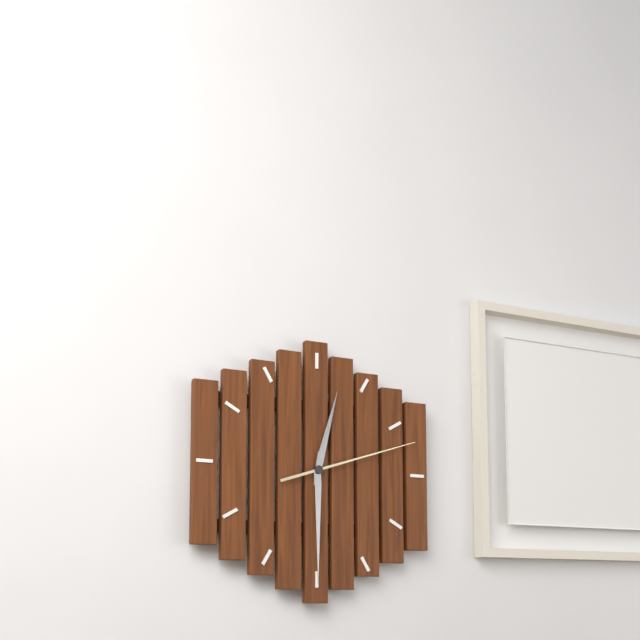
{"hour": 12, "minute": 30, "second": 12}
